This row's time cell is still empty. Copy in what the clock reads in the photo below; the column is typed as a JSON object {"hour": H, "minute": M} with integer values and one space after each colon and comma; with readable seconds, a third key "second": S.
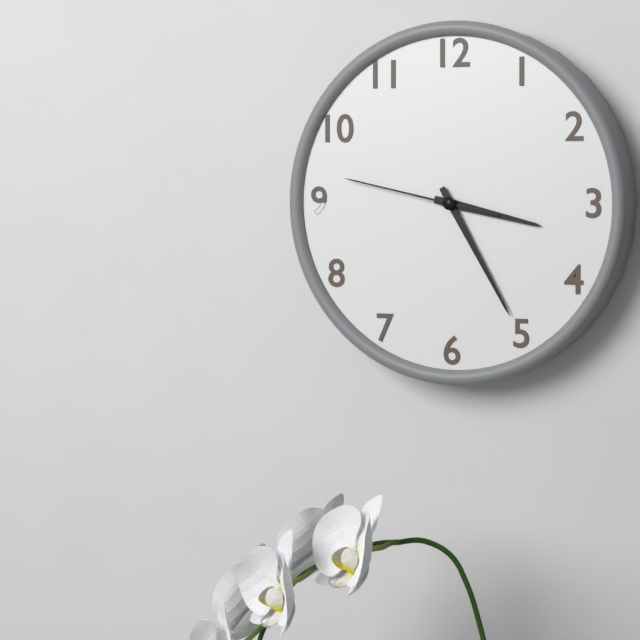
{"hour": 3, "minute": 25, "second": 47}
